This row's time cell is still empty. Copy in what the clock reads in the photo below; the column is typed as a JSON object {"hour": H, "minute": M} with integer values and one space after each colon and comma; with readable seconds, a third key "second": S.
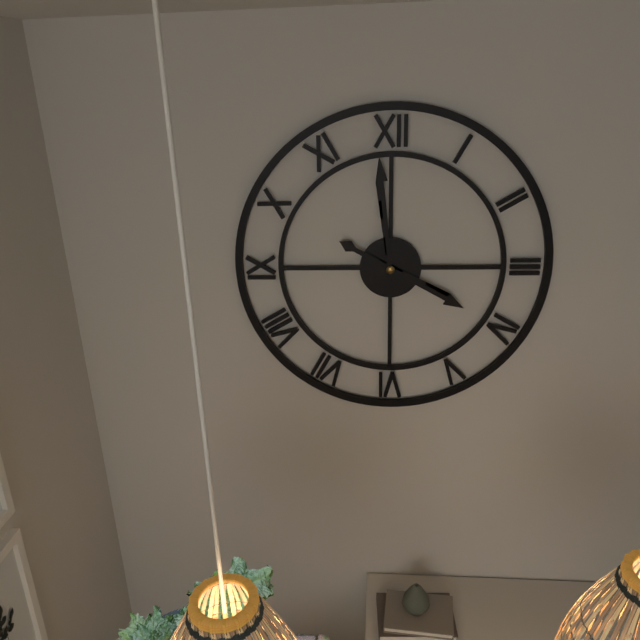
{"hour": 3, "minute": 59}
